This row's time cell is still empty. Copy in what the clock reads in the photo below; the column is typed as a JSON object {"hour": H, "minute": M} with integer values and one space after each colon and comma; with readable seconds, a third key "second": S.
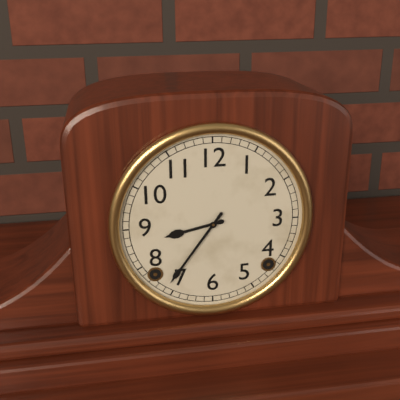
{"hour": 8, "minute": 36}
